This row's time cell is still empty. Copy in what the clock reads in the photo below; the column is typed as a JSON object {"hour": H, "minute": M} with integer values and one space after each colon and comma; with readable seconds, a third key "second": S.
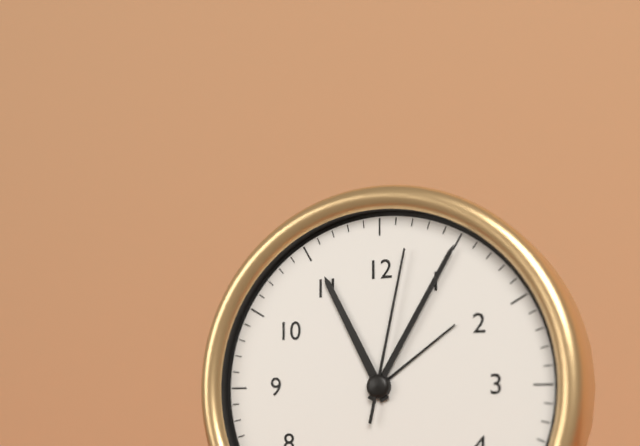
{"hour": 11, "minute": 5, "second": 2}
